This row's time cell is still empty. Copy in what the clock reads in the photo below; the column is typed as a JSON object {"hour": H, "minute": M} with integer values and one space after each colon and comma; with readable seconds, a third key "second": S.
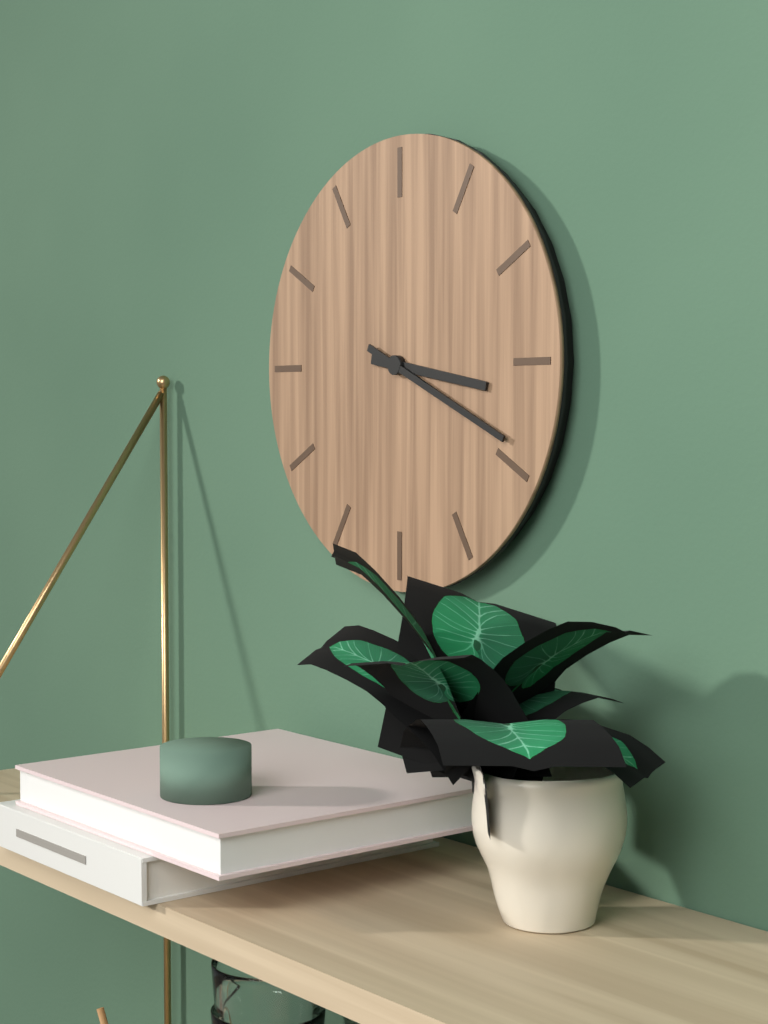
{"hour": 3, "minute": 19}
